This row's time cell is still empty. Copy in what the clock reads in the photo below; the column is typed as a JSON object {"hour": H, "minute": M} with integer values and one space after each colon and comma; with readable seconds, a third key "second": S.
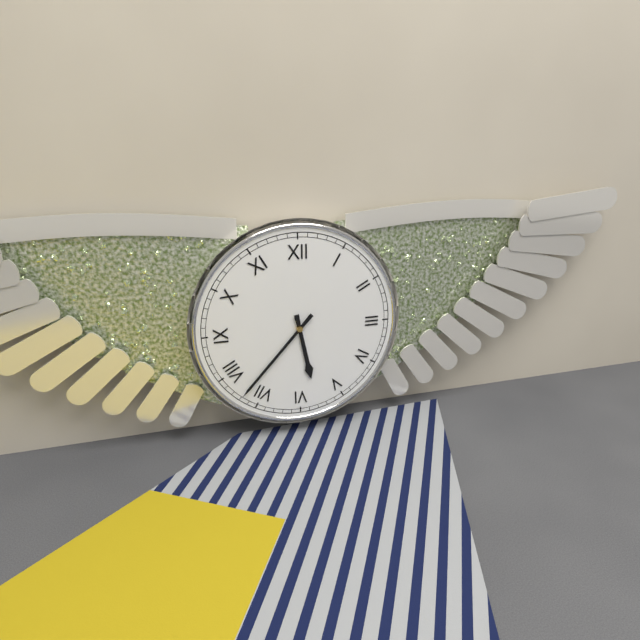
{"hour": 5, "minute": 37}
